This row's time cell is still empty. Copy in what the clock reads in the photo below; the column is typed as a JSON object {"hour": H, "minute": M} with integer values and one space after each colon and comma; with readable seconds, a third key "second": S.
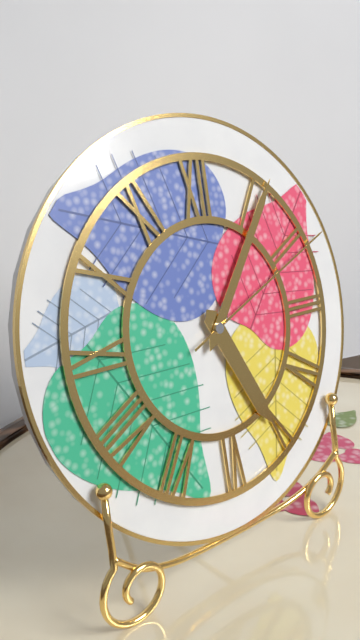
{"hour": 5, "minute": 6, "second": 11}
